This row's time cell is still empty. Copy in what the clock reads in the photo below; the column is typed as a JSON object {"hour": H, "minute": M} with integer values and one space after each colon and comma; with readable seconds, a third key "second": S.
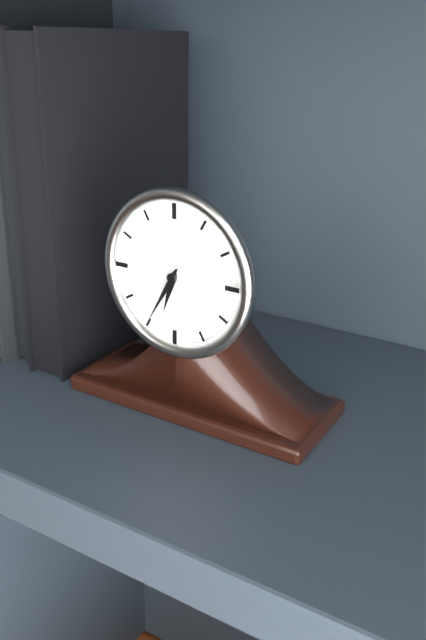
{"hour": 6, "minute": 35}
